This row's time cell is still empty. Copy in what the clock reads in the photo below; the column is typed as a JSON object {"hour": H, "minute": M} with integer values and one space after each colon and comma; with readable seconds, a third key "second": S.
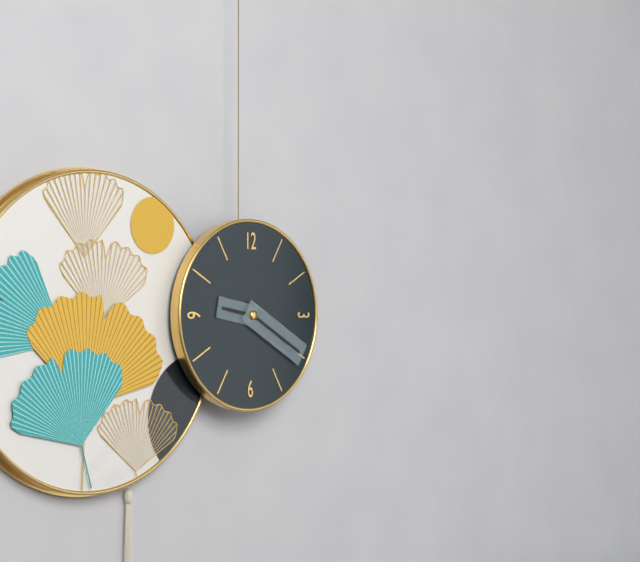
{"hour": 9, "minute": 20}
